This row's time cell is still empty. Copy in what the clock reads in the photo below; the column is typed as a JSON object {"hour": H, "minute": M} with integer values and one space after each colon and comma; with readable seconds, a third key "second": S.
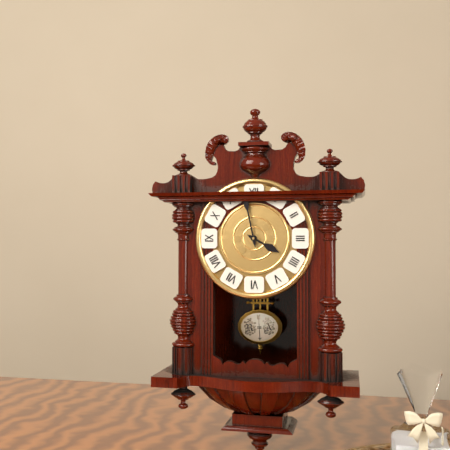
{"hour": 3, "minute": 58}
